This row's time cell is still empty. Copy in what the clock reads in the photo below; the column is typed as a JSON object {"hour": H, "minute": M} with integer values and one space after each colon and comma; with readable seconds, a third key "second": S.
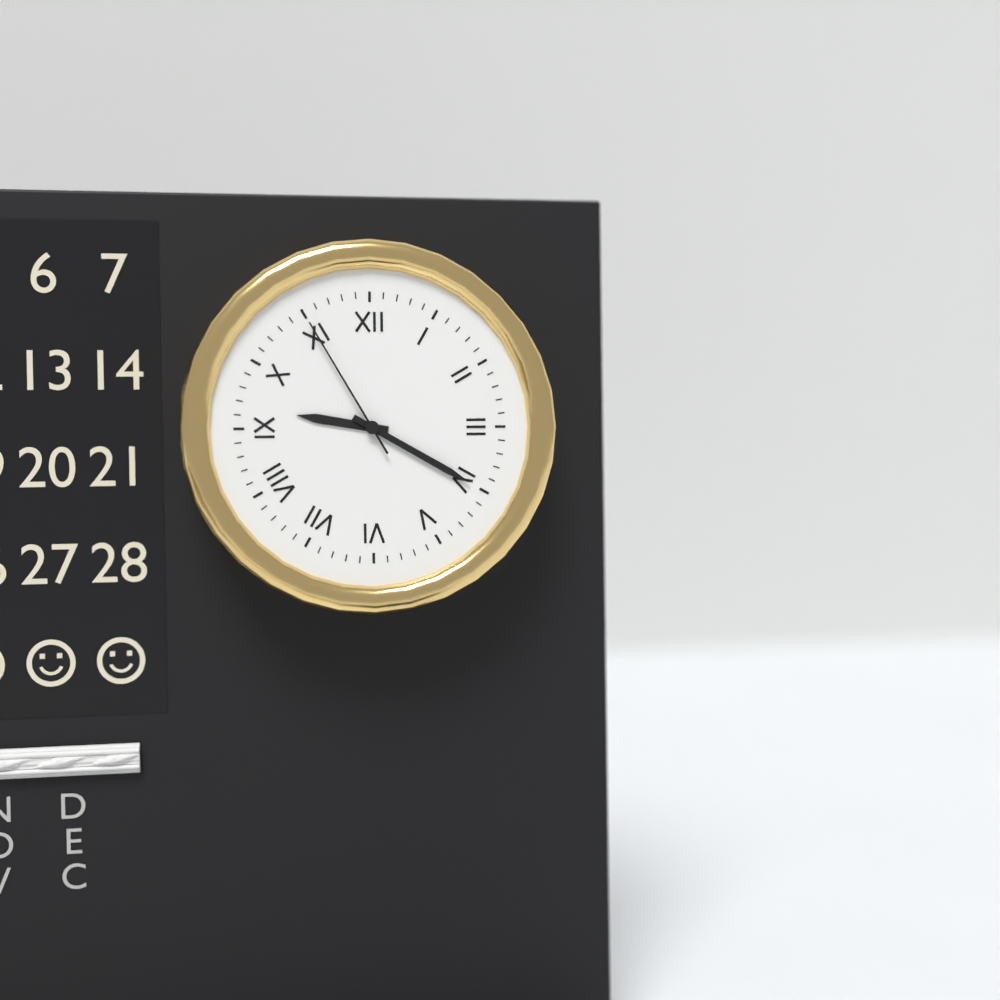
{"hour": 9, "minute": 20, "second": 55}
